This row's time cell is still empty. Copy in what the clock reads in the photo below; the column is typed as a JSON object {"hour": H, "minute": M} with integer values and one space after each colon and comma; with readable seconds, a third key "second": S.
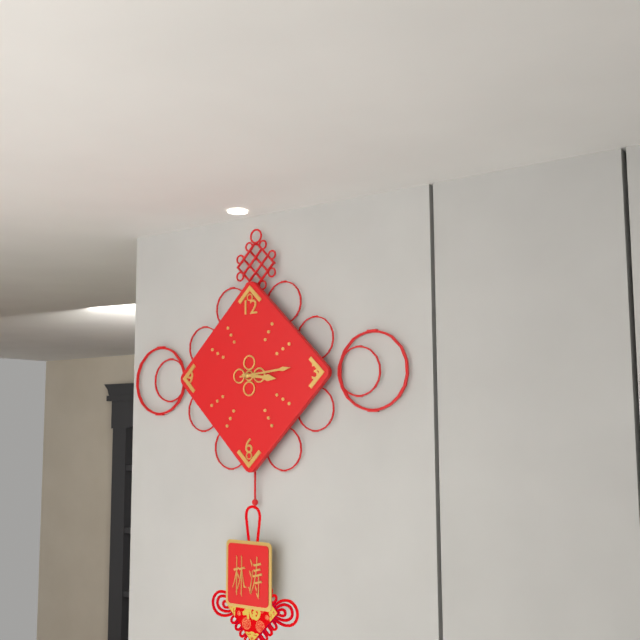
{"hour": 3, "minute": 14}
